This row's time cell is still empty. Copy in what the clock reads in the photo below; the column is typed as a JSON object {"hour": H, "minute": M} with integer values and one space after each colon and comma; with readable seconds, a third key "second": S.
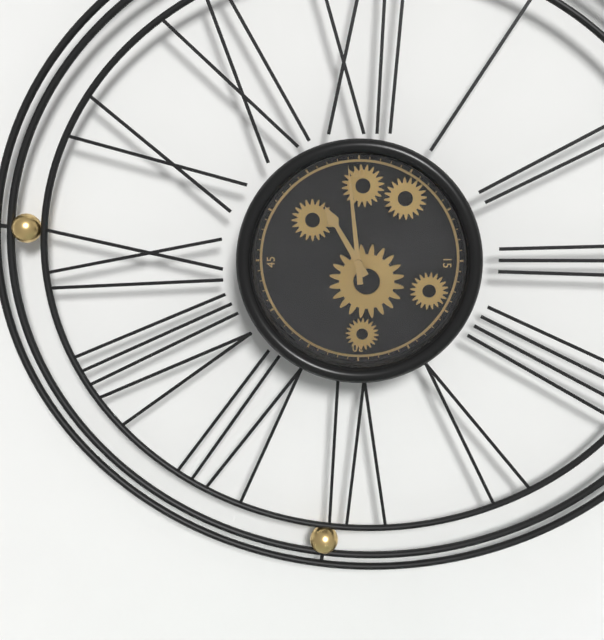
{"hour": 10, "minute": 59}
